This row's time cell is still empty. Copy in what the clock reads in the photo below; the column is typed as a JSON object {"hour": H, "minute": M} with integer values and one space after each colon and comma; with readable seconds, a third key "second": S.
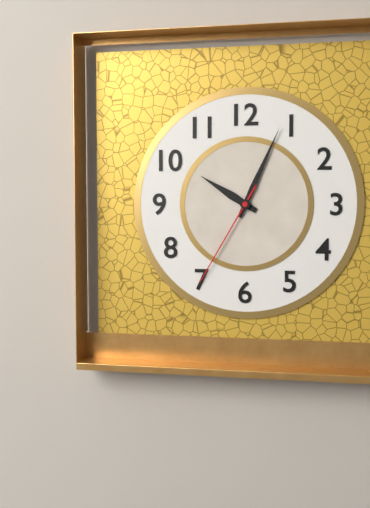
{"hour": 10, "minute": 4, "second": 35}
